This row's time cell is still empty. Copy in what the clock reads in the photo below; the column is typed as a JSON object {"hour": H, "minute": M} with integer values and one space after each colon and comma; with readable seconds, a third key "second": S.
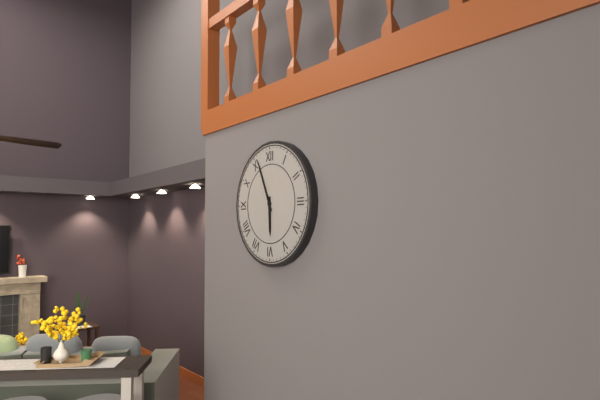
{"hour": 5, "minute": 56}
